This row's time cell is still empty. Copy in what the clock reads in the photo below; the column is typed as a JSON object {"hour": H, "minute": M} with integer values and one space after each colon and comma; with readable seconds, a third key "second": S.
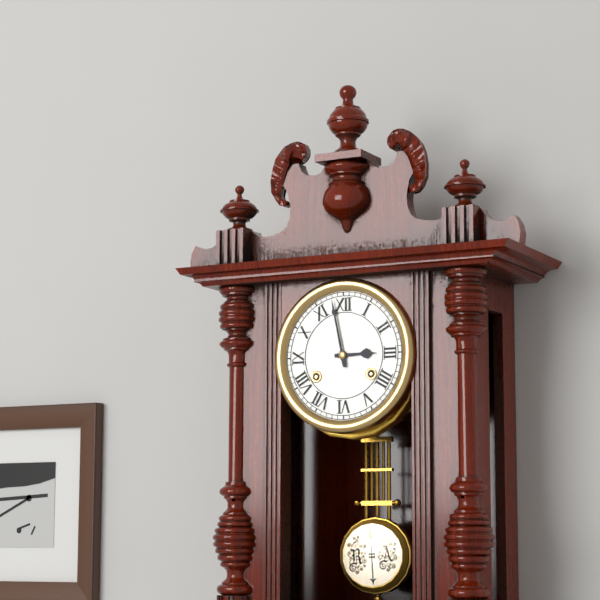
{"hour": 2, "minute": 58}
